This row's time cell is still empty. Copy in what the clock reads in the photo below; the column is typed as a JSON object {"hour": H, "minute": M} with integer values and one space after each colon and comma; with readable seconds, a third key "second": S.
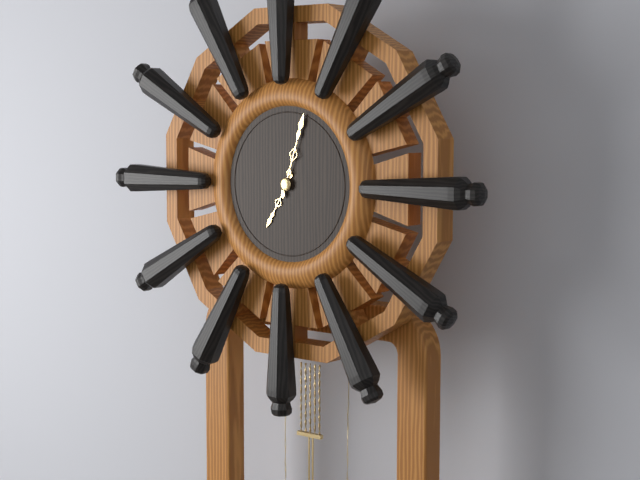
{"hour": 7, "minute": 3}
